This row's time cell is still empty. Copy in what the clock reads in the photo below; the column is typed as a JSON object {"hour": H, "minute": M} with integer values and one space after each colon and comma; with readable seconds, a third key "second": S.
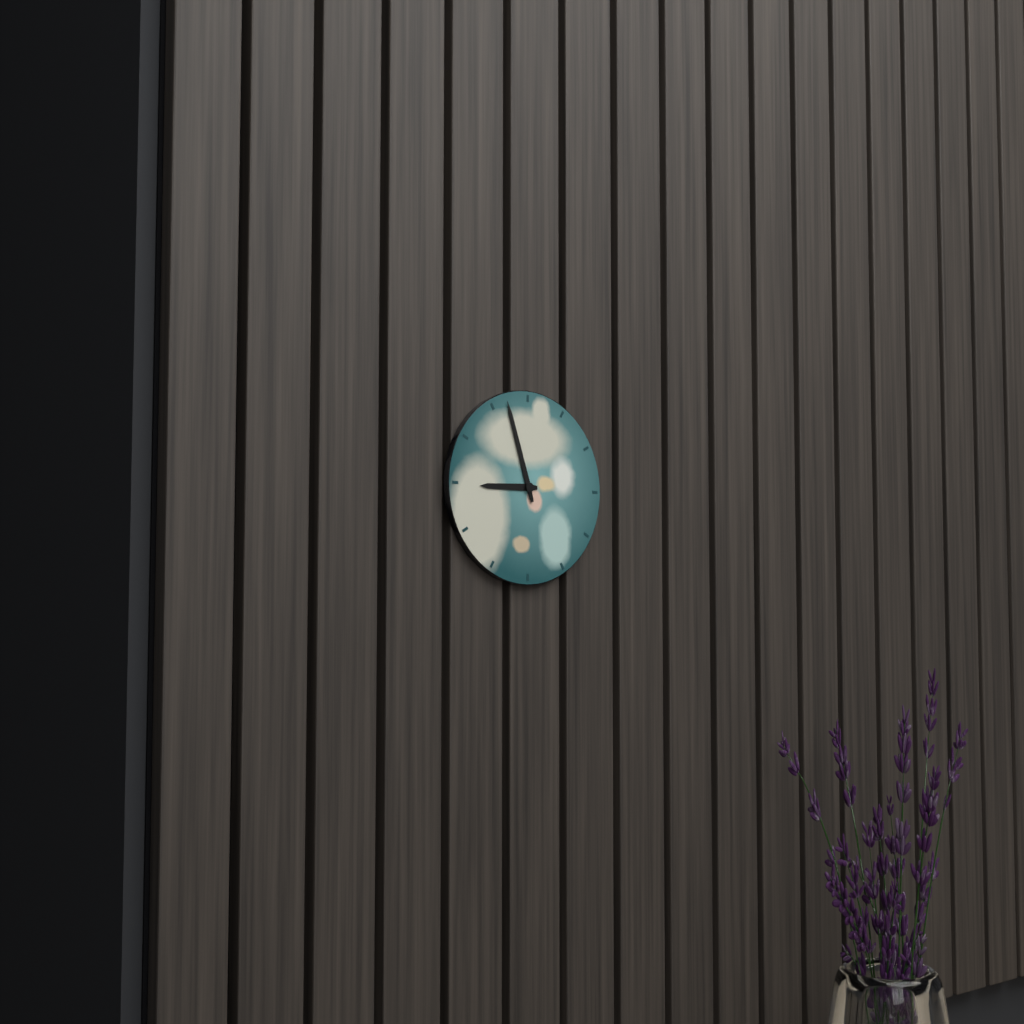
{"hour": 8, "minute": 57}
